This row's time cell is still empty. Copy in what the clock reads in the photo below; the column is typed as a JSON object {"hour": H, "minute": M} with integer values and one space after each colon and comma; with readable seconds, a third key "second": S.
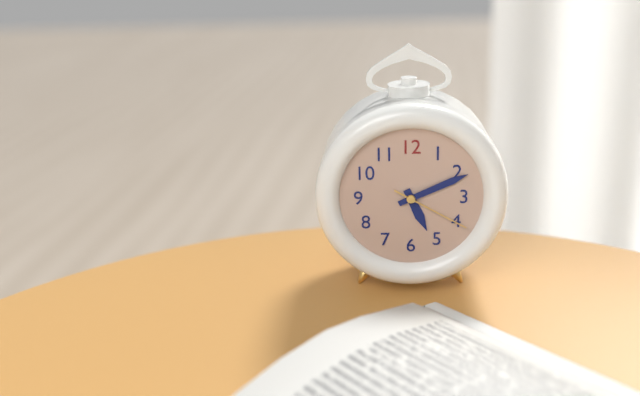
{"hour": 5, "minute": 11, "second": 20}
